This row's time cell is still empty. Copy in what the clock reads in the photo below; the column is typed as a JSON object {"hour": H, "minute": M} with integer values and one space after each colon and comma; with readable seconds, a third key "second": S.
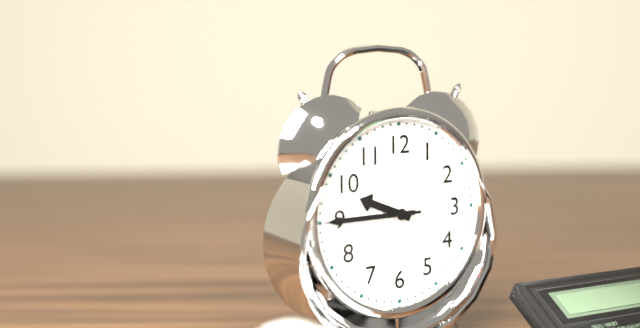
{"hour": 9, "minute": 45, "second": 45}
